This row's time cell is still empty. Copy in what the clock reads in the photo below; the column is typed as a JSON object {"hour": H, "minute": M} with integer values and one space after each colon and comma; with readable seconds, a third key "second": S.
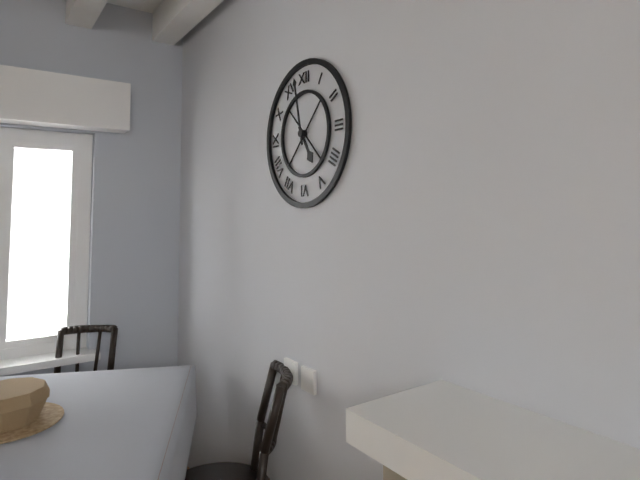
{"hour": 4, "minute": 58}
